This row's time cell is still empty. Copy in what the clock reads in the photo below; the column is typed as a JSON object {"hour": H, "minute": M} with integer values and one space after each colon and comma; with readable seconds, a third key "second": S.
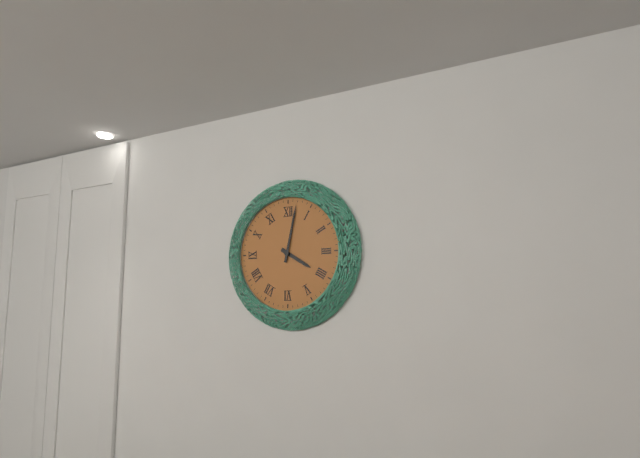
{"hour": 4, "minute": 2}
